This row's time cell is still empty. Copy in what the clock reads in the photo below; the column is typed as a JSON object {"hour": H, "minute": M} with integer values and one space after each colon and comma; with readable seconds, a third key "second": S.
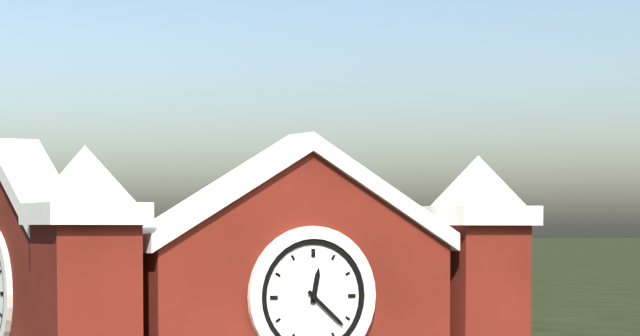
{"hour": 12, "minute": 22}
